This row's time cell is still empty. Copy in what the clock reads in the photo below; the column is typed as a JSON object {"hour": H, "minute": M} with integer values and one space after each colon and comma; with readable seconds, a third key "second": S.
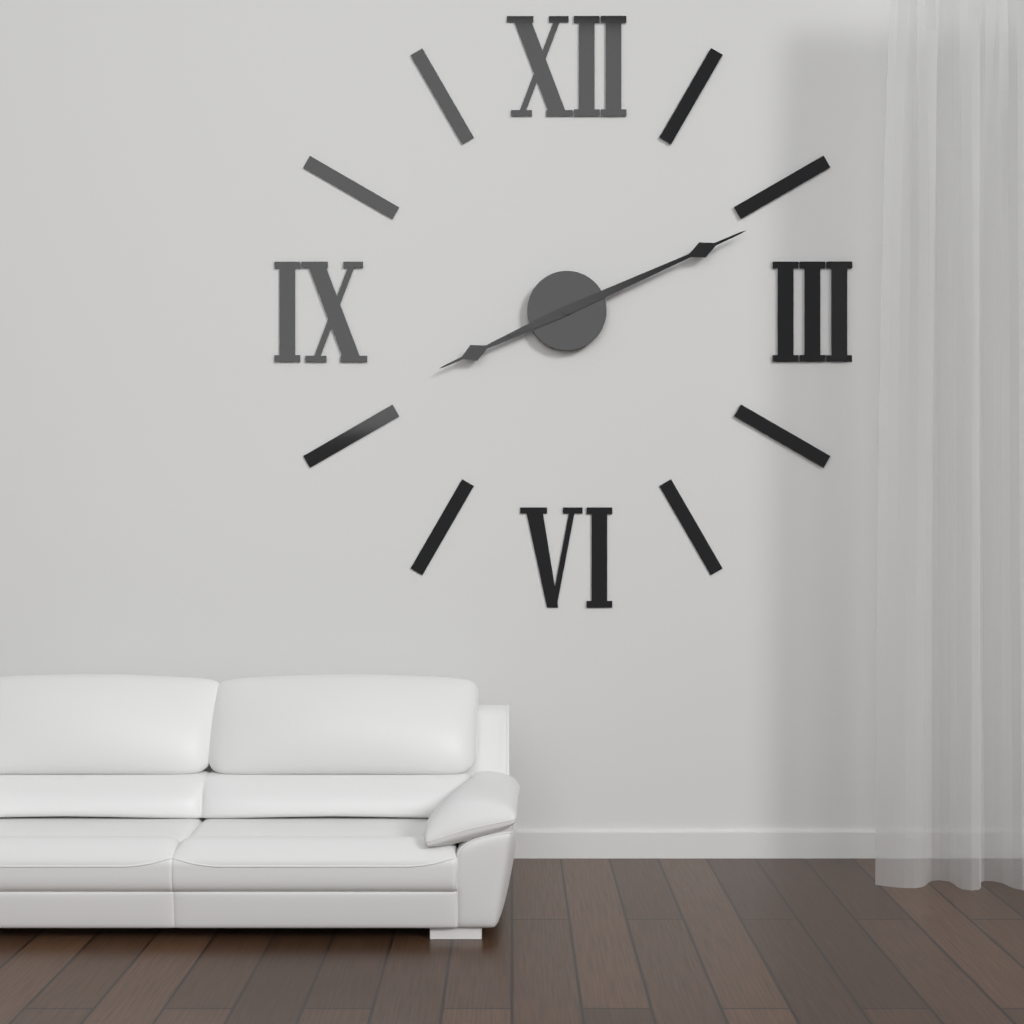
{"hour": 8, "minute": 11}
